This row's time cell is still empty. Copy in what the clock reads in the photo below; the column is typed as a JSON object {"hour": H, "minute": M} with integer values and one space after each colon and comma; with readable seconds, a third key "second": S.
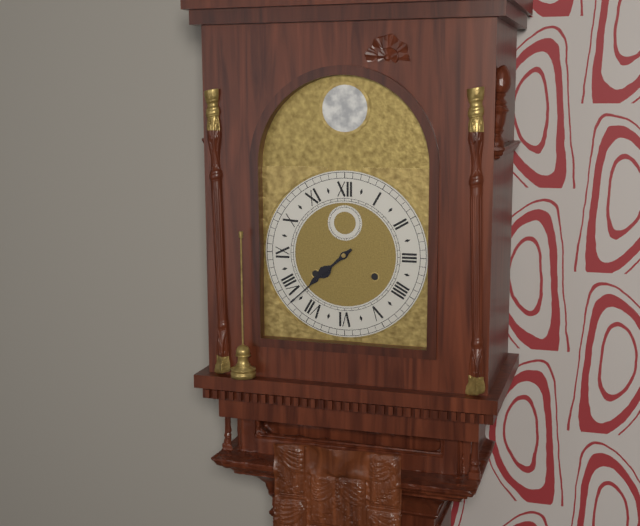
{"hour": 7, "minute": 38}
